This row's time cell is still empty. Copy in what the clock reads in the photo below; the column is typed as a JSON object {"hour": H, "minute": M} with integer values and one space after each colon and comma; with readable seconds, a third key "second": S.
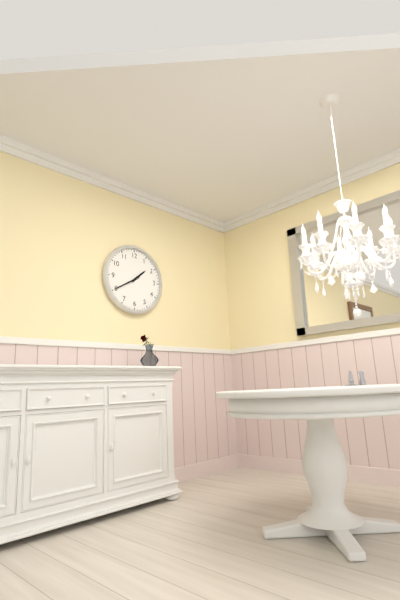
{"hour": 1, "minute": 40}
